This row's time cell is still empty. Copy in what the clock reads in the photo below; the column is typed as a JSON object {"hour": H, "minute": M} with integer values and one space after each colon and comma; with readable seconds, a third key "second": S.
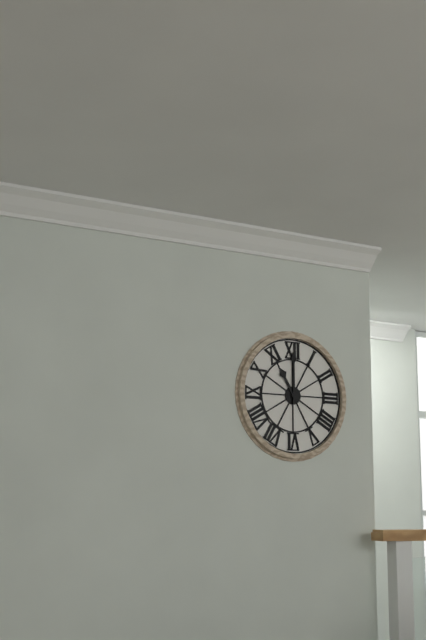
{"hour": 11, "minute": 0}
